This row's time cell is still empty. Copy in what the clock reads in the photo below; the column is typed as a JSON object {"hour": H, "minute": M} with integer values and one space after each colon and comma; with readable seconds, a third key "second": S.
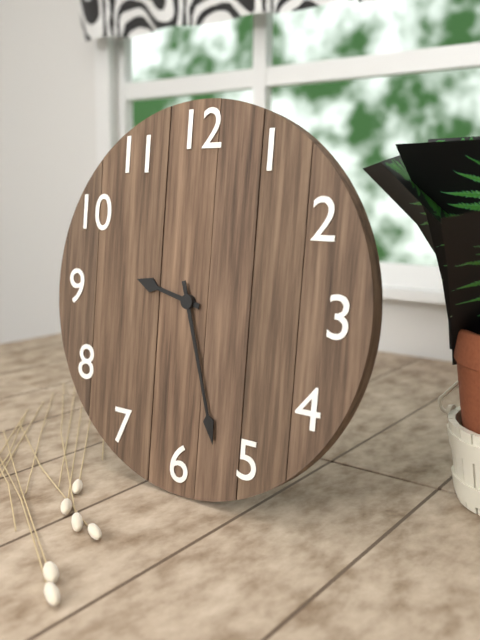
{"hour": 9, "minute": 27}
